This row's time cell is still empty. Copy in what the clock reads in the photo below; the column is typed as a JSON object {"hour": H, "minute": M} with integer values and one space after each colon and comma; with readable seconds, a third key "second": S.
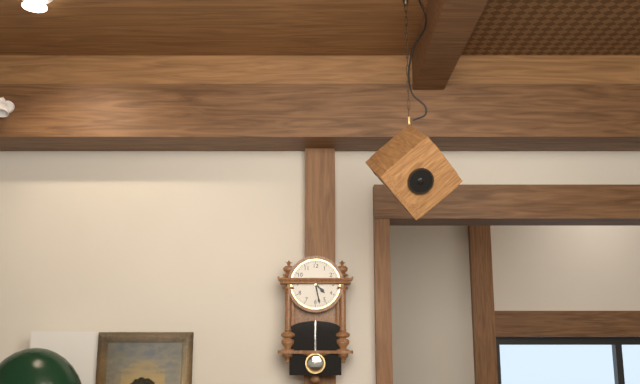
{"hour": 4, "minute": 28}
